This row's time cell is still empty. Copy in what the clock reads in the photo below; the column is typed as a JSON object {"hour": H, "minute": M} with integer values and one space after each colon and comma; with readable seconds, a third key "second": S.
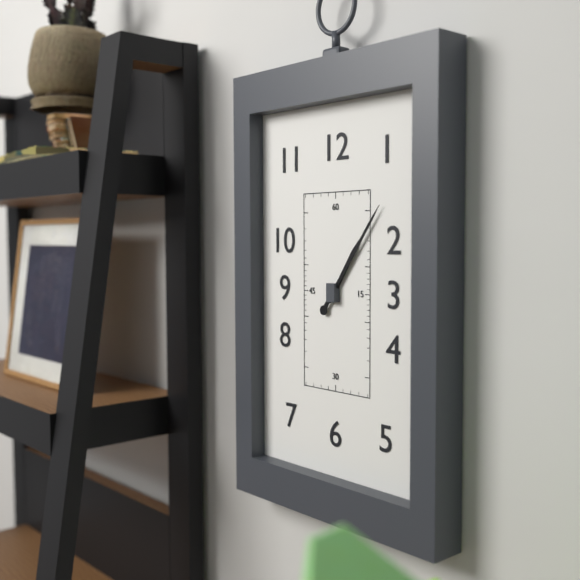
{"hour": 1, "minute": 6}
